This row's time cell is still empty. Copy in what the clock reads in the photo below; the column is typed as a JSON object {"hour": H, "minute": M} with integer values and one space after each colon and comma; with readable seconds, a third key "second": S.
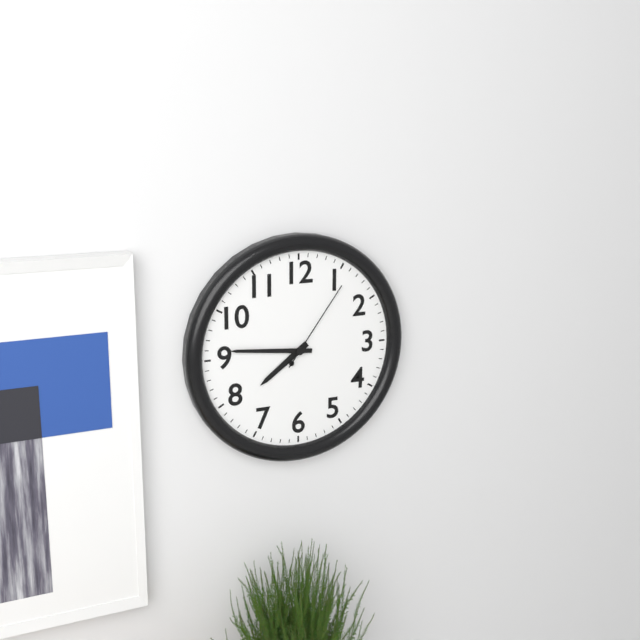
{"hour": 7, "minute": 46, "second": 6}
